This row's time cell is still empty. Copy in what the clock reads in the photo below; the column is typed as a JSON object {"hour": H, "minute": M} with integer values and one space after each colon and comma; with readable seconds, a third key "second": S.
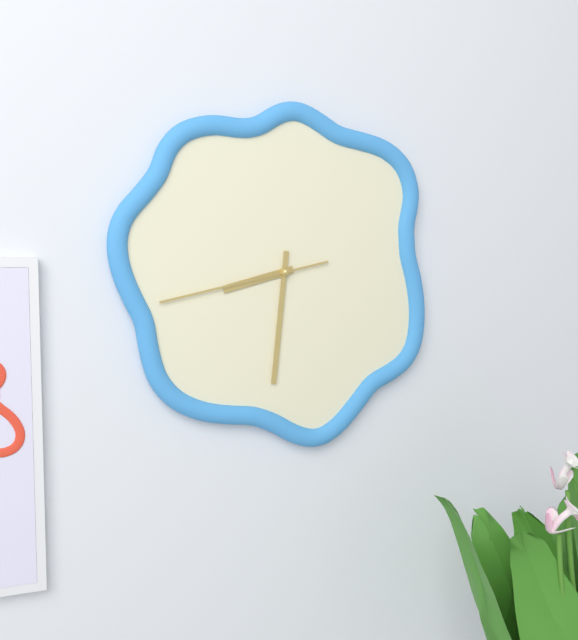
{"hour": 8, "minute": 31, "second": 43}
